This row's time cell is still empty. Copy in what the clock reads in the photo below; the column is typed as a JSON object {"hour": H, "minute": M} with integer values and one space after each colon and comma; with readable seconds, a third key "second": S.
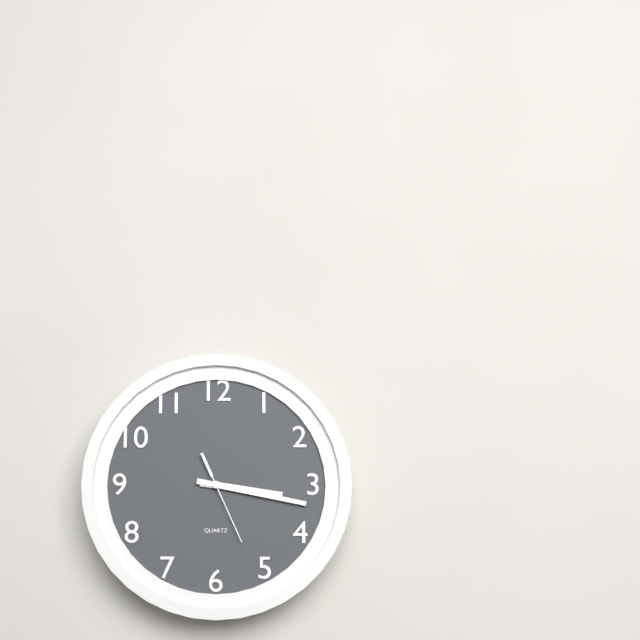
{"hour": 3, "minute": 17, "second": 26}
